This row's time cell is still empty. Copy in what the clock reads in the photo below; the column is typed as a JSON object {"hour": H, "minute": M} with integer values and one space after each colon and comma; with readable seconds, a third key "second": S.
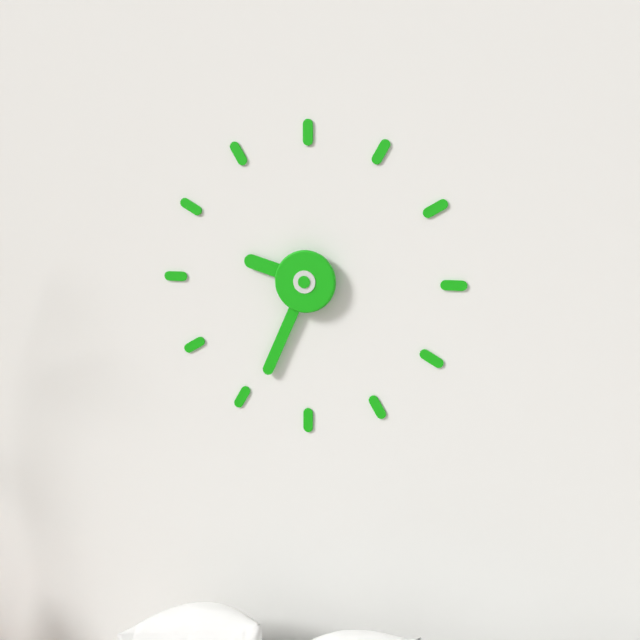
{"hour": 9, "minute": 34}
